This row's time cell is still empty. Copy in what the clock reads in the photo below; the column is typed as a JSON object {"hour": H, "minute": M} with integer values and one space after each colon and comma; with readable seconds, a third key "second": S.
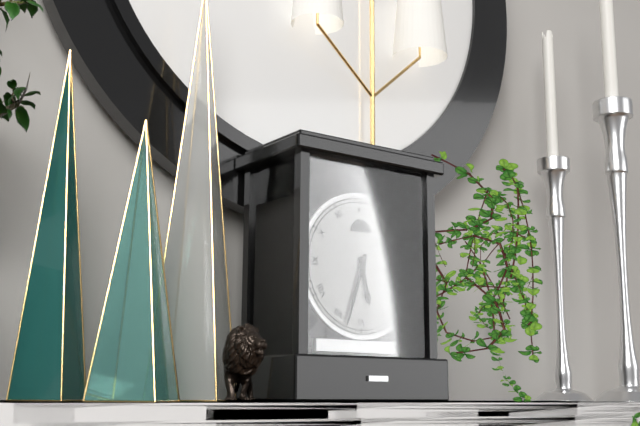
{"hour": 5, "minute": 33}
